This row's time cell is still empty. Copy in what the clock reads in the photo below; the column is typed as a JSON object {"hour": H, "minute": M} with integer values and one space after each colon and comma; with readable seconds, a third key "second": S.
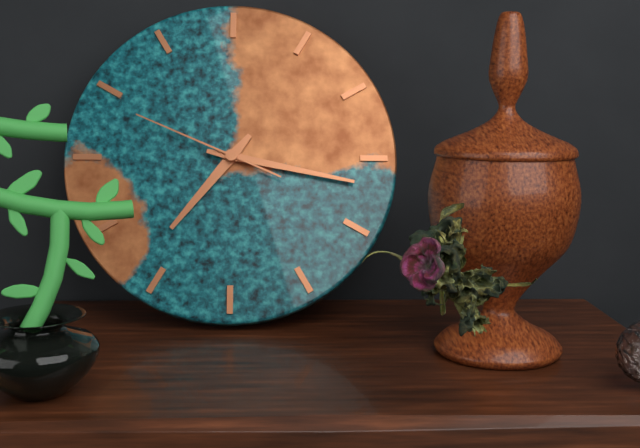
{"hour": 7, "minute": 17, "second": 49}
